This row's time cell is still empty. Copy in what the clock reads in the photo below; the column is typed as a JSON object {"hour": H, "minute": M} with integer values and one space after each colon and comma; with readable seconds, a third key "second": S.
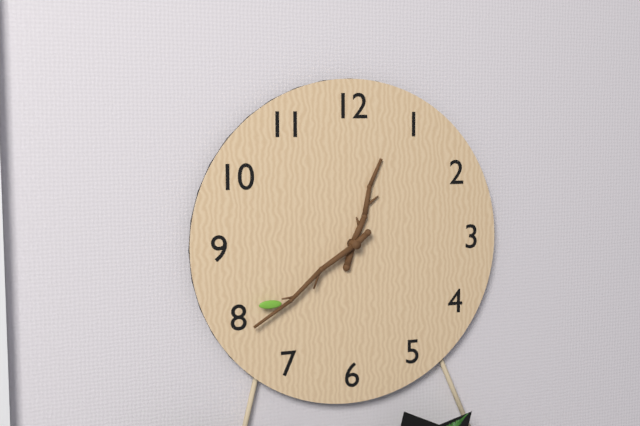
{"hour": 12, "minute": 39}
